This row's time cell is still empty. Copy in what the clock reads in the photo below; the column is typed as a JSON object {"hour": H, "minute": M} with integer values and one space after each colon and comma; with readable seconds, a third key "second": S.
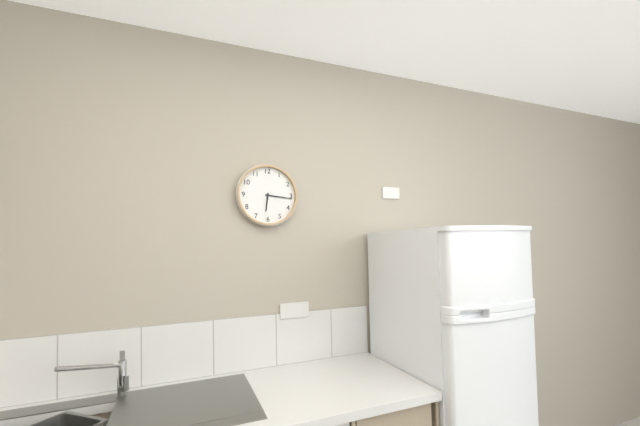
{"hour": 6, "minute": 16}
